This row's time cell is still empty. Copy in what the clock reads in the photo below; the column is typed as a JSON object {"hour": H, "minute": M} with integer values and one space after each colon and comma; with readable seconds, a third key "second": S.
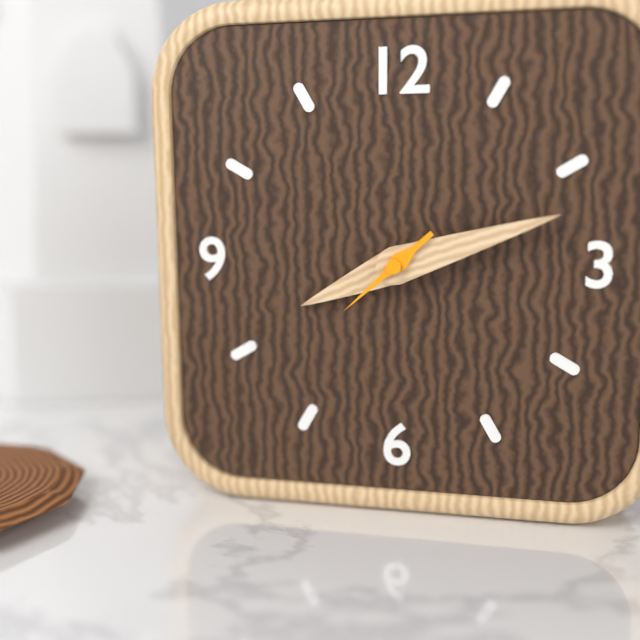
{"hour": 8, "minute": 12, "second": 38}
